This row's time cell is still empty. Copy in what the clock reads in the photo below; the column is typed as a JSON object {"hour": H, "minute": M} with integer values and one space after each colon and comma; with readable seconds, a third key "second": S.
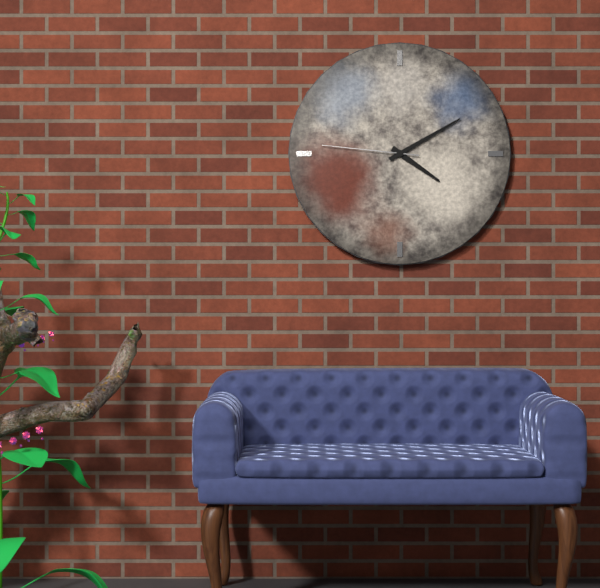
{"hour": 4, "minute": 10, "second": 46}
